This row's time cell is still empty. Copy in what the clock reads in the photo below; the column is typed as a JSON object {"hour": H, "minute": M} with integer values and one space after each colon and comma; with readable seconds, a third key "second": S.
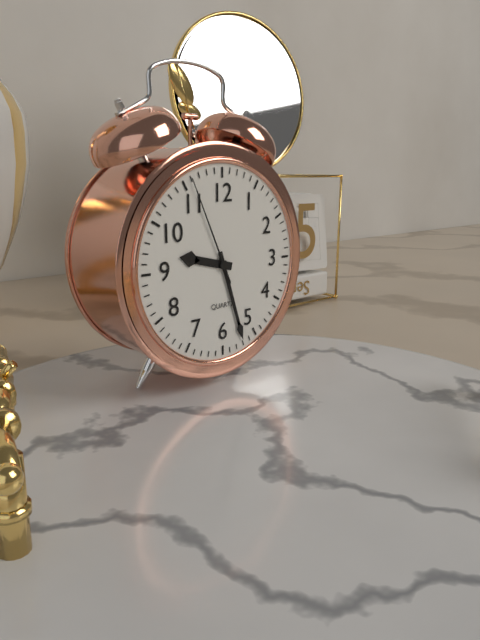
{"hour": 9, "minute": 27, "second": 56}
